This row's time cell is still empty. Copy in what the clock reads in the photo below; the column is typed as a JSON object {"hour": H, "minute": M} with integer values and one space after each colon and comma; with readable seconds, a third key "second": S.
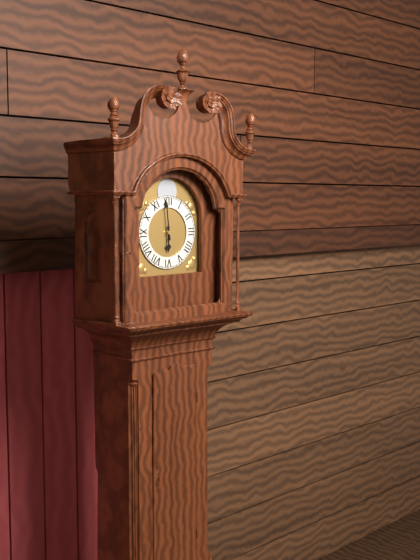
{"hour": 5, "minute": 59}
